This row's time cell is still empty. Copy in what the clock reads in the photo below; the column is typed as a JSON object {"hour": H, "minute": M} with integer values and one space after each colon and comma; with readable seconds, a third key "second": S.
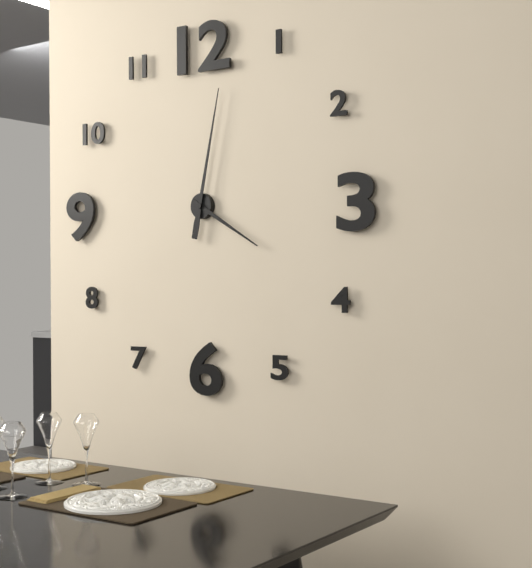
{"hour": 4, "minute": 2}
